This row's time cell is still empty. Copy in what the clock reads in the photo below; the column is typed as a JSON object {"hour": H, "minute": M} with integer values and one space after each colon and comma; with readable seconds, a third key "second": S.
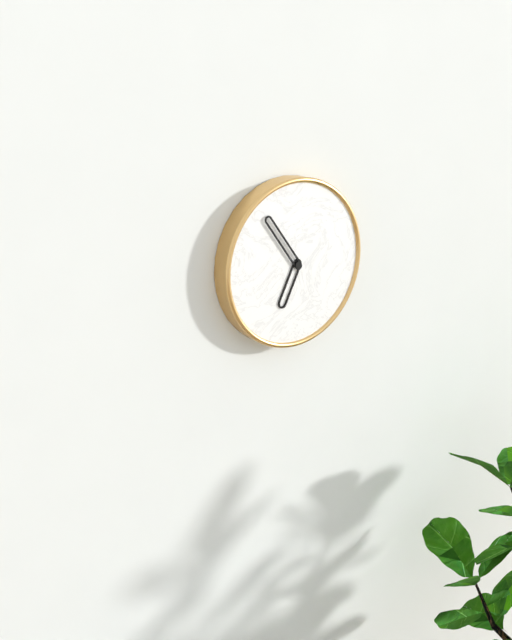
{"hour": 6, "minute": 54}
